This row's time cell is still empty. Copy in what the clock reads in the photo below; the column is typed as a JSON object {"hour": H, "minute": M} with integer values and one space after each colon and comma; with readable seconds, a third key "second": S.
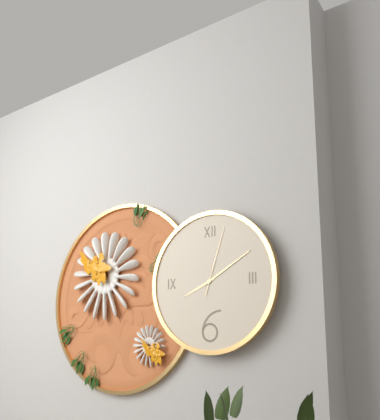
{"hour": 8, "minute": 10, "second": 3}
